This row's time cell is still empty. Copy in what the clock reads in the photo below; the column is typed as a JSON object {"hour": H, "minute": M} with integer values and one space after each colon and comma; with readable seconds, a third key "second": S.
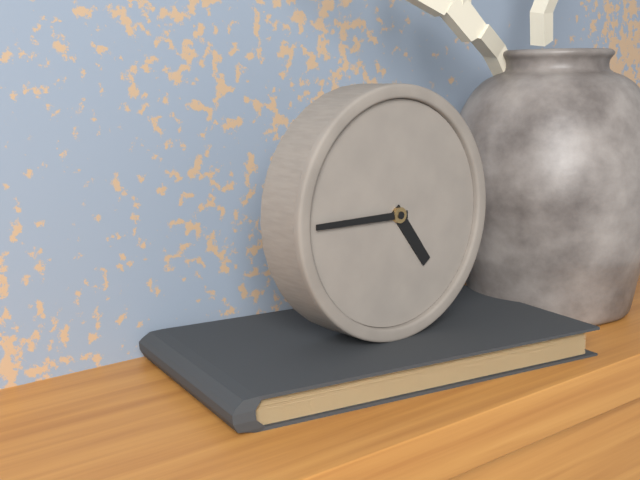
{"hour": 4, "minute": 45}
